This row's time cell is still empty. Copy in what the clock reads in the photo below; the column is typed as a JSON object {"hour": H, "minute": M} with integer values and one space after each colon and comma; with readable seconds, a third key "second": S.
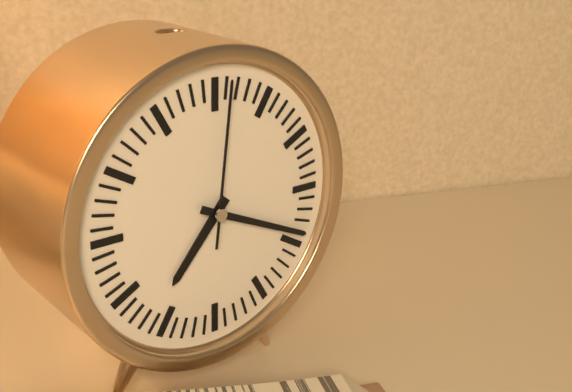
{"hour": 7, "minute": 19, "second": 1}
